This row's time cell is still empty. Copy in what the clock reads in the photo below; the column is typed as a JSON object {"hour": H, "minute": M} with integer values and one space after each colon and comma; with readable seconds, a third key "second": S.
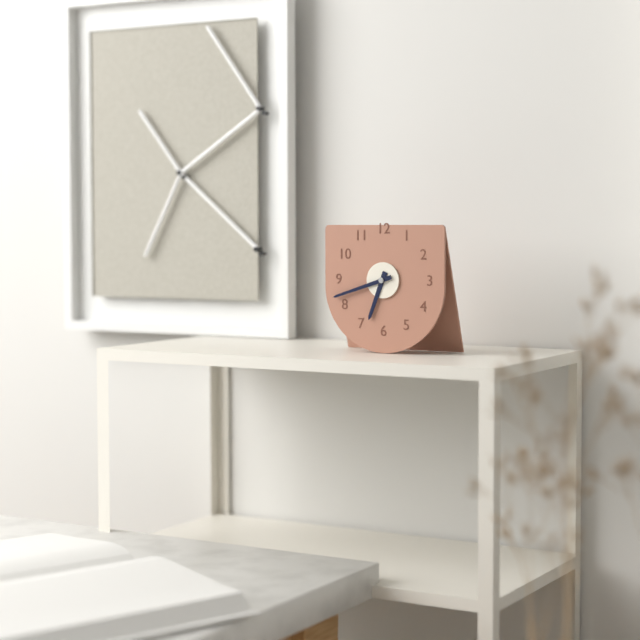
{"hour": 6, "minute": 42}
